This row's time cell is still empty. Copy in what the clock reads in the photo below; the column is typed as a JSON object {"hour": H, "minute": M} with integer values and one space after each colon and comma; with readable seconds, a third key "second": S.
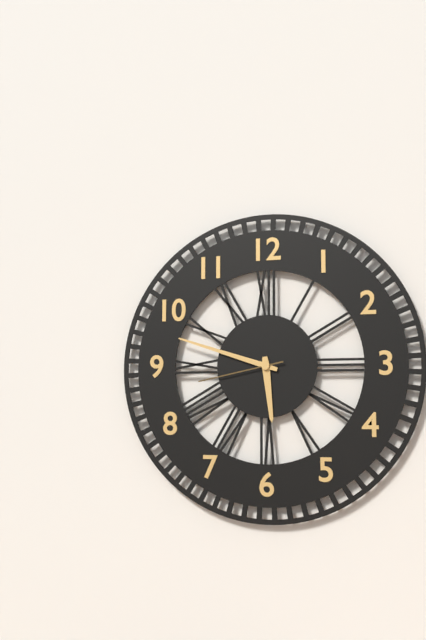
{"hour": 5, "minute": 48, "second": 43}
